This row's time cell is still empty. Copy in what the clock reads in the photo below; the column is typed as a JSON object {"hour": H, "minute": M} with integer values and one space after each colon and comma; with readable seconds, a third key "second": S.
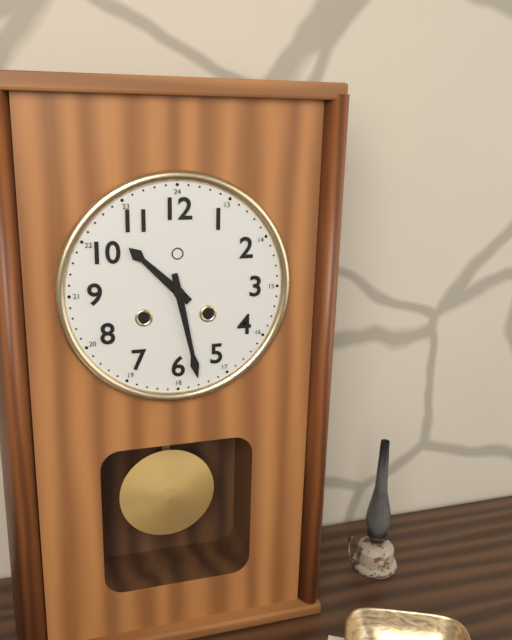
{"hour": 10, "minute": 28}
